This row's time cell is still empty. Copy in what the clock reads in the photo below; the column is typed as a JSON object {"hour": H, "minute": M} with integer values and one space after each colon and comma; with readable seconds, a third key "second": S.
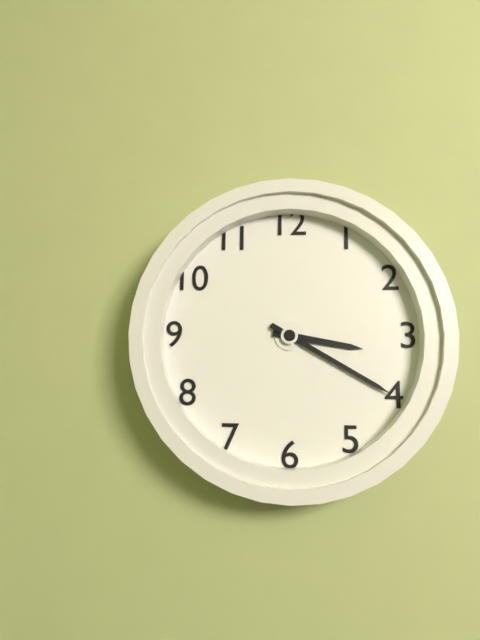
{"hour": 3, "minute": 20}
